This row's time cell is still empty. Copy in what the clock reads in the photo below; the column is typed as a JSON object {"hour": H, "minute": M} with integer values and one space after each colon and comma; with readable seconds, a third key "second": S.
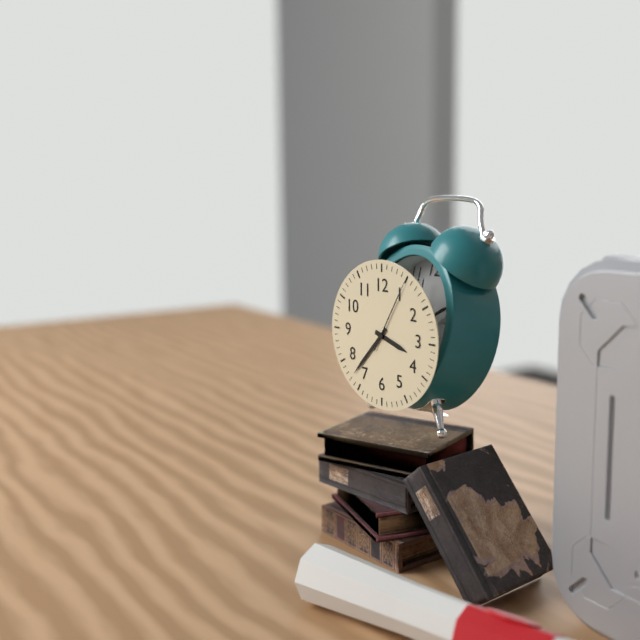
{"hour": 3, "minute": 37, "second": 5}
